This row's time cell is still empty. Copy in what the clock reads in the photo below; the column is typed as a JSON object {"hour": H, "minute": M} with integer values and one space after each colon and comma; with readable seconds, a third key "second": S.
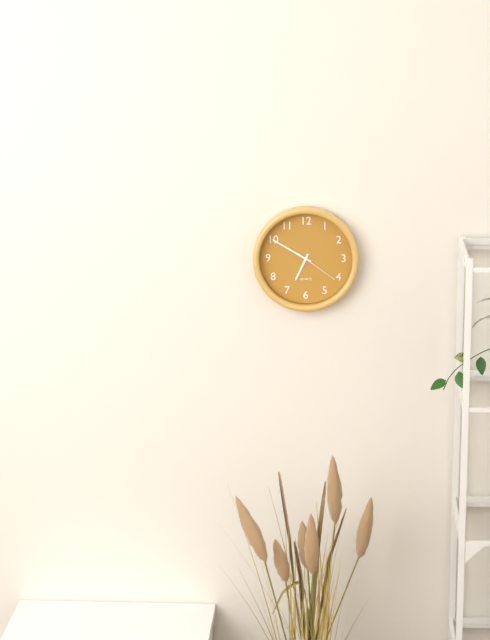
{"hour": 6, "minute": 50}
